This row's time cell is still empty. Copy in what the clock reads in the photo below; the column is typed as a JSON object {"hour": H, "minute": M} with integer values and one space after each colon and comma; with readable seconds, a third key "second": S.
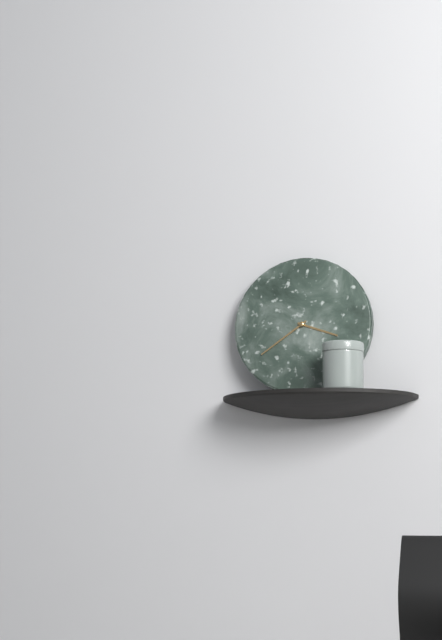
{"hour": 3, "minute": 39}
